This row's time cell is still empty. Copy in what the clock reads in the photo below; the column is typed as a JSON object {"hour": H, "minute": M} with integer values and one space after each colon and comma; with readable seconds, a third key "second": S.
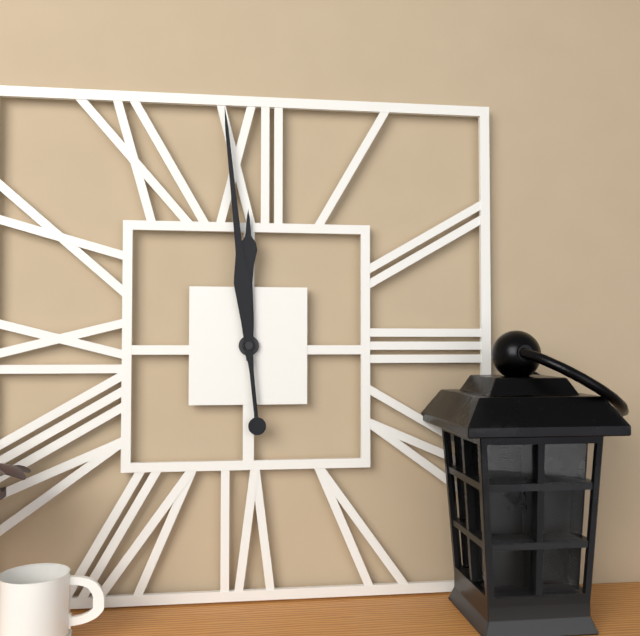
{"hour": 11, "minute": 59}
